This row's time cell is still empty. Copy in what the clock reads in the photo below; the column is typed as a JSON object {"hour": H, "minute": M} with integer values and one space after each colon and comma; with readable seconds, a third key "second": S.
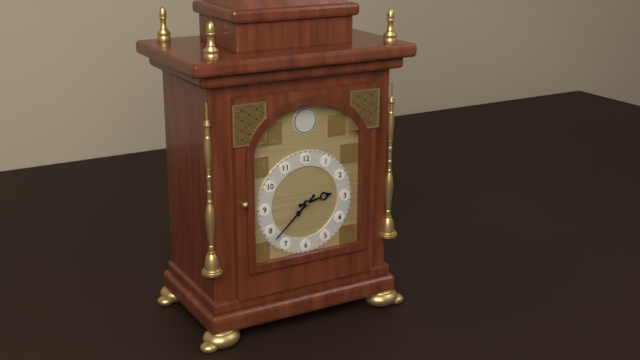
{"hour": 2, "minute": 38}
